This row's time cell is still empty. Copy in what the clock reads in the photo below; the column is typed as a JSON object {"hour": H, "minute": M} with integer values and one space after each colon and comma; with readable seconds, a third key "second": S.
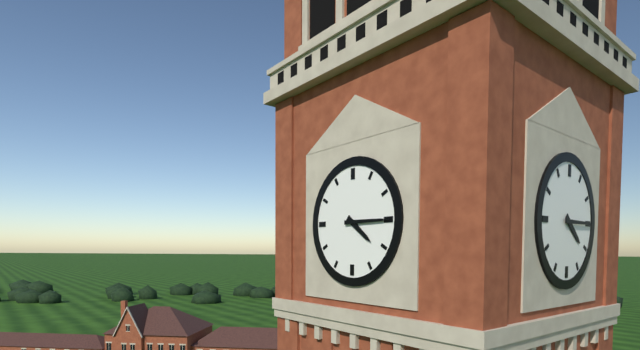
{"hour": 4, "minute": 15}
